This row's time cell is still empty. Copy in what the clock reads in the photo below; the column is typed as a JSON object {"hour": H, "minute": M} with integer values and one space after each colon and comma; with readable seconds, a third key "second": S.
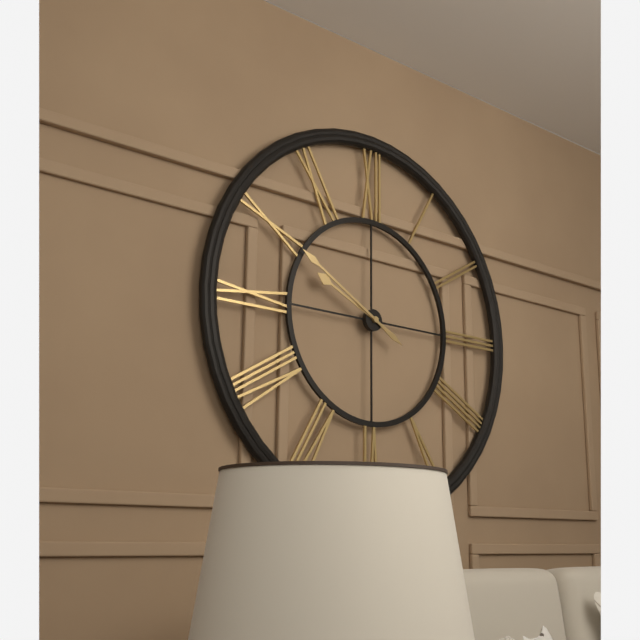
{"hour": 9, "minute": 50}
